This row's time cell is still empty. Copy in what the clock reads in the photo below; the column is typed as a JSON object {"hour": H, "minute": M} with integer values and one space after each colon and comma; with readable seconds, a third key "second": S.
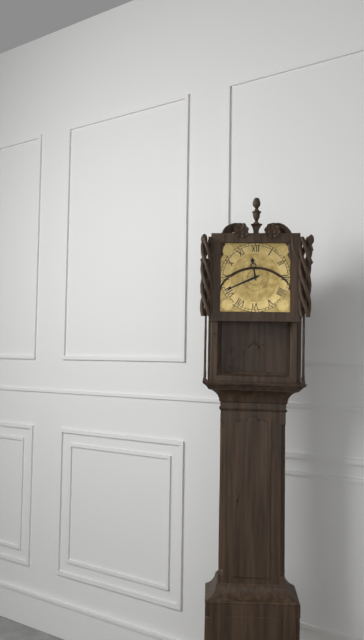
{"hour": 11, "minute": 41}
